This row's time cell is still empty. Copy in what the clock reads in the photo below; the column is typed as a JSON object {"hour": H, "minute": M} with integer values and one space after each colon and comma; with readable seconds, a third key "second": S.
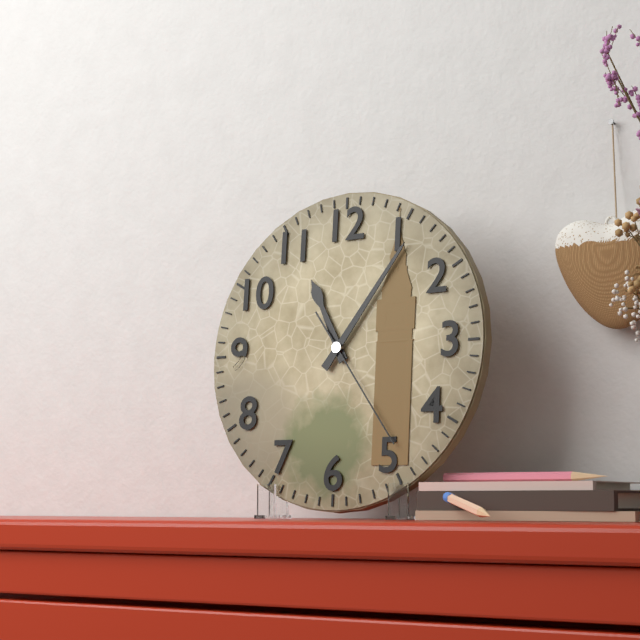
{"hour": 11, "minute": 6, "second": 24}
